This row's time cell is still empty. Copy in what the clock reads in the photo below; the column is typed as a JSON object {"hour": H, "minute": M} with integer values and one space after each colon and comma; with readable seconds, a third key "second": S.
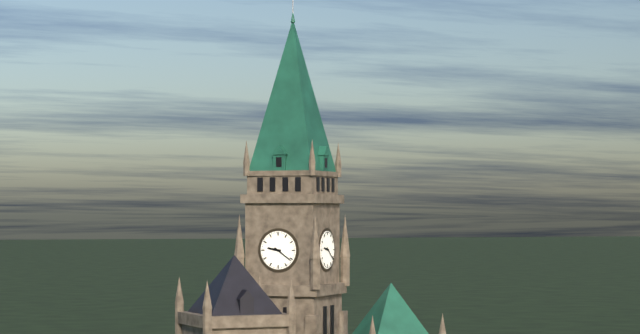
{"hour": 9, "minute": 21}
